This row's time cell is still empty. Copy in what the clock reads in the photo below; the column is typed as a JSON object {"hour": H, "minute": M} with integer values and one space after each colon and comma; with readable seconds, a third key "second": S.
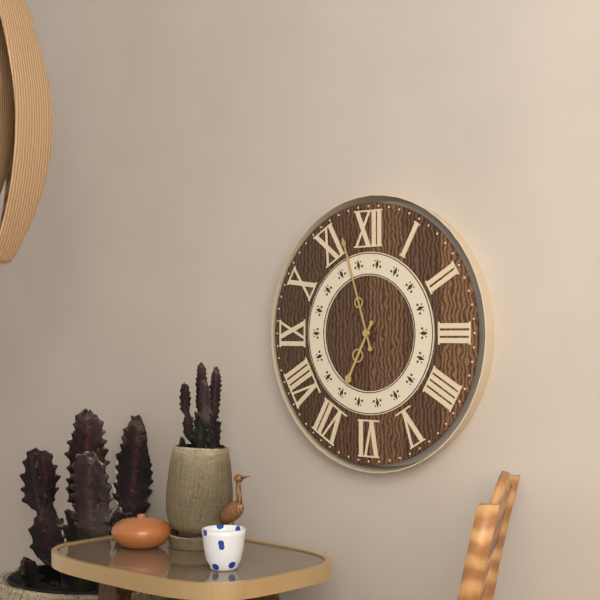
{"hour": 6, "minute": 57}
